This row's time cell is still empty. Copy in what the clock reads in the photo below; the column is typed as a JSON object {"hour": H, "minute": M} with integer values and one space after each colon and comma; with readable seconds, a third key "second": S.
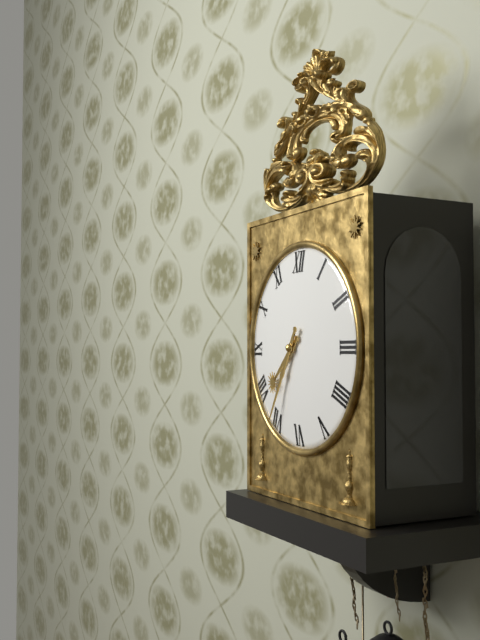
{"hour": 7, "minute": 35}
